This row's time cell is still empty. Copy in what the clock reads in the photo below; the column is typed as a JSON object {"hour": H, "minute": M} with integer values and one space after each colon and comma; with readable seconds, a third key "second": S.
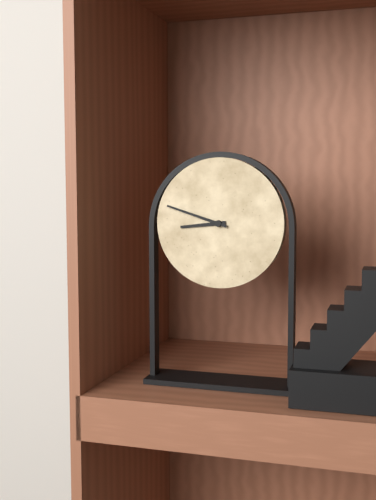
{"hour": 8, "minute": 48}
